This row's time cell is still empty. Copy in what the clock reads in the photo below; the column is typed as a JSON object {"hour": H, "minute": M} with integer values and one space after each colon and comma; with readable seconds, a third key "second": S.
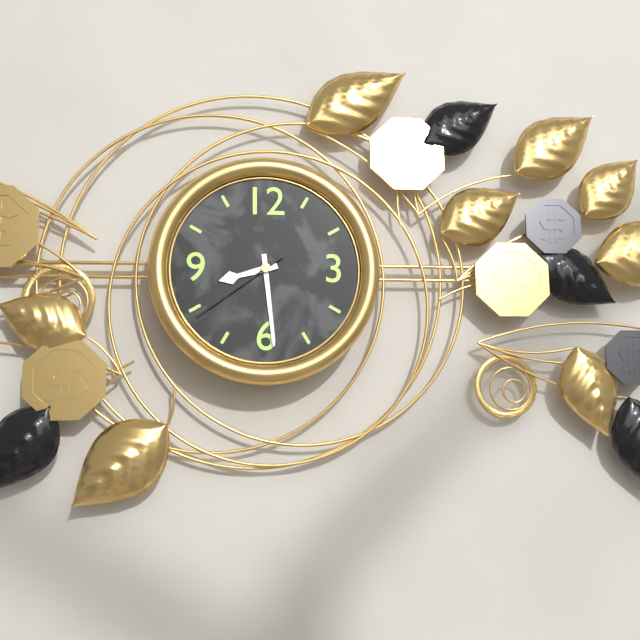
{"hour": 8, "minute": 29, "second": 39}
